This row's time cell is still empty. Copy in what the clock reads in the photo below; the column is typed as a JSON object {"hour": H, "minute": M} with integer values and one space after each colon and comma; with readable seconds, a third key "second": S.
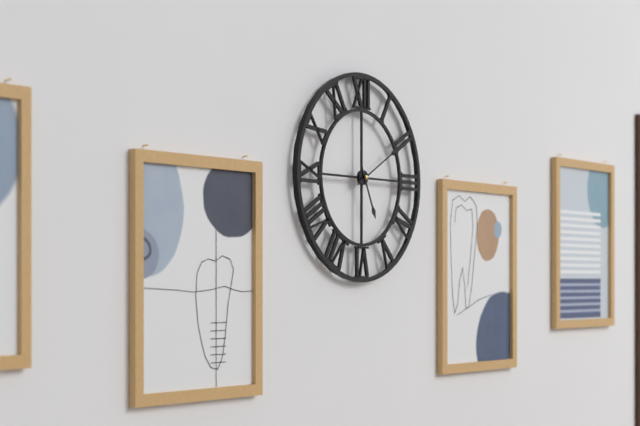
{"hour": 5, "minute": 10}
